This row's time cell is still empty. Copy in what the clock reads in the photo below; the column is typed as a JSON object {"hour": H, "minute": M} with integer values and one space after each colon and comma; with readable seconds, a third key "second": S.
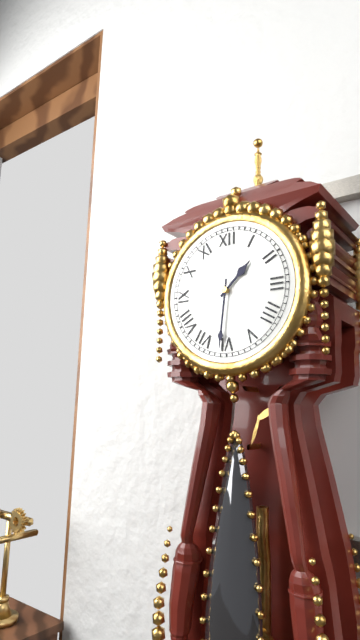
{"hour": 1, "minute": 31}
